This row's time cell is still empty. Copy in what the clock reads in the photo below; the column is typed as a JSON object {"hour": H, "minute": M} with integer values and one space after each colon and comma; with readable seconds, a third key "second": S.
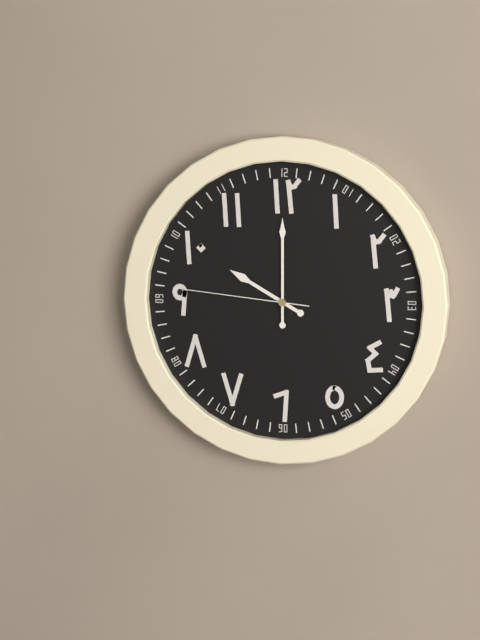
{"hour": 10, "minute": 0, "second": 46}
